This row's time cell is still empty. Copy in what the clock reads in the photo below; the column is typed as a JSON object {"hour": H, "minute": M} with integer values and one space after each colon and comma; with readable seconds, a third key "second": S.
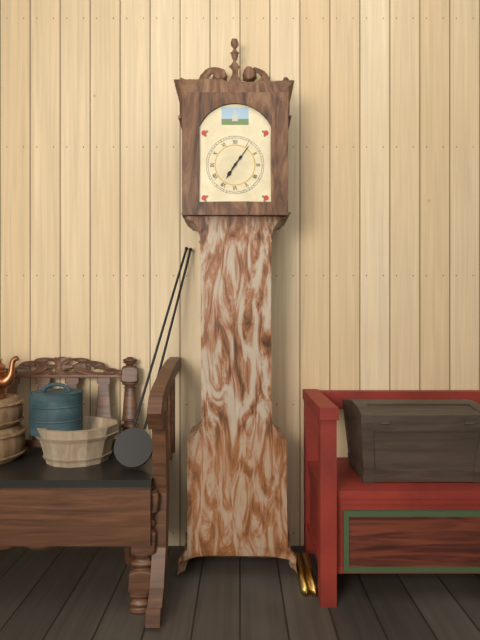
{"hour": 7, "minute": 6}
